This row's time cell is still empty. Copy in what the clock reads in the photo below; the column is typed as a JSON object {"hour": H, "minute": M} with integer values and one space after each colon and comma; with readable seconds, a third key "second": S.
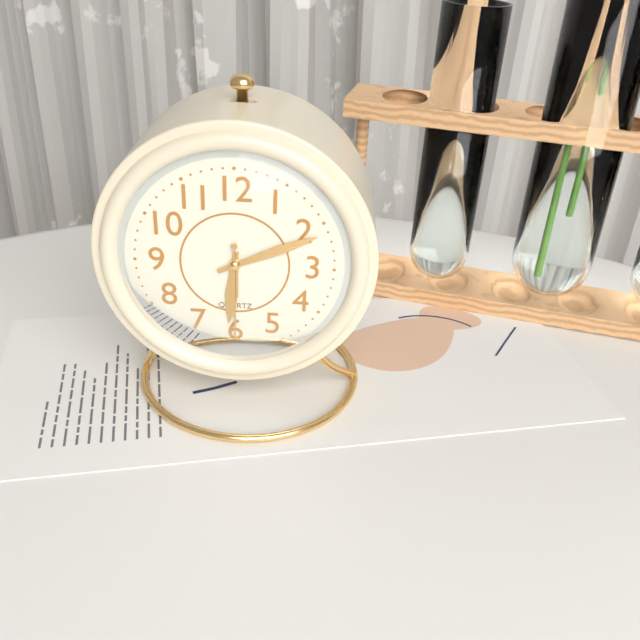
{"hour": 6, "minute": 11, "second": 30}
